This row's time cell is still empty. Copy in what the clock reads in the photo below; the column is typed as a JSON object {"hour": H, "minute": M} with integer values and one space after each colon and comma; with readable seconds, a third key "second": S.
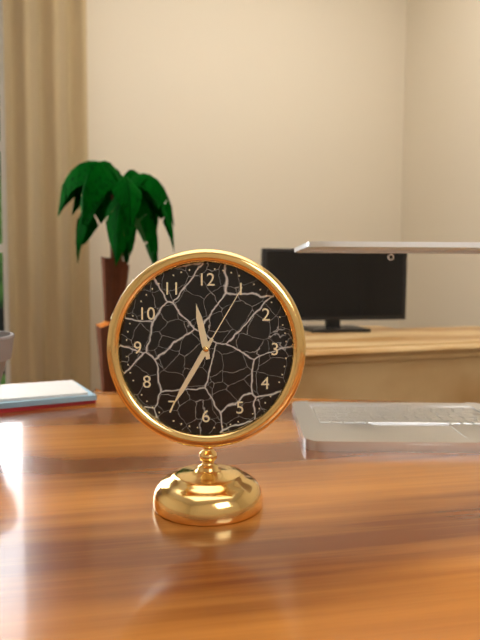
{"hour": 11, "minute": 35, "second": 5}
